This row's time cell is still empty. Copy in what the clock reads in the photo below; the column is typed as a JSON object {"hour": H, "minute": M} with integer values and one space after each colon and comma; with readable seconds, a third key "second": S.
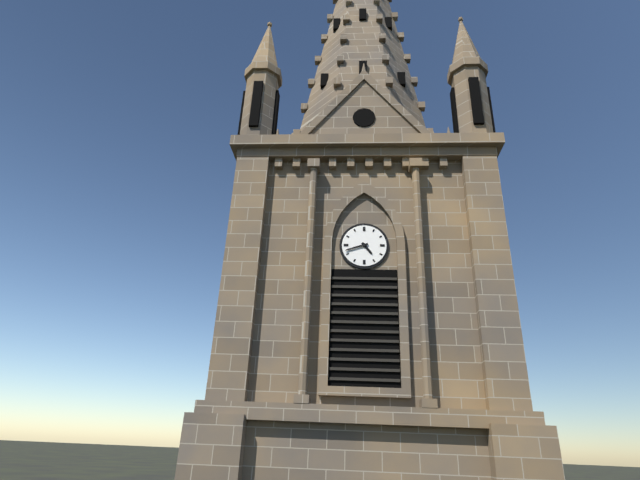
{"hour": 4, "minute": 42}
